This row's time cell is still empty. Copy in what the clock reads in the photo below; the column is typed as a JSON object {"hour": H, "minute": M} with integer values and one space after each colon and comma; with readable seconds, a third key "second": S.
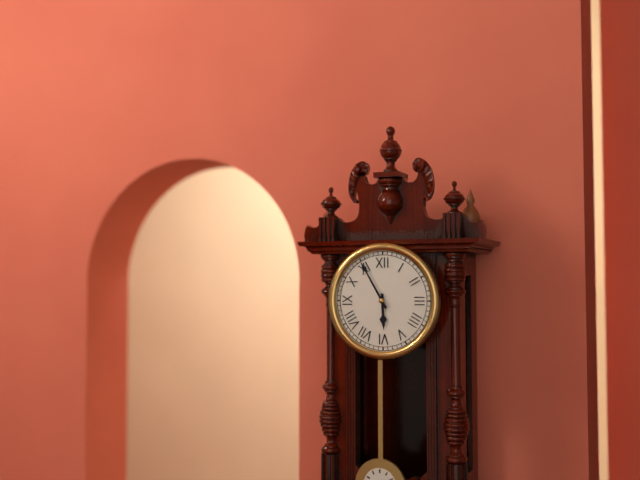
{"hour": 5, "minute": 55}
